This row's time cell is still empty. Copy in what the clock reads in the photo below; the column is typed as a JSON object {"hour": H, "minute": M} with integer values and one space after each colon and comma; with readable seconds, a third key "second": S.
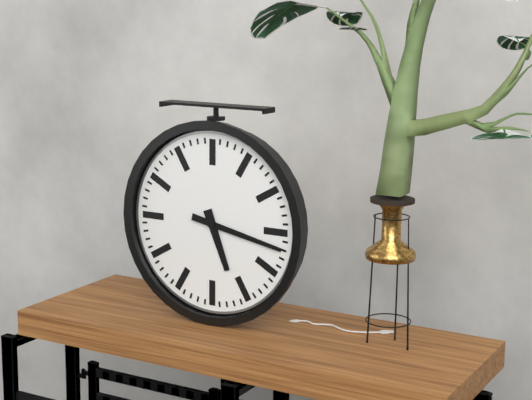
{"hour": 5, "minute": 17}
